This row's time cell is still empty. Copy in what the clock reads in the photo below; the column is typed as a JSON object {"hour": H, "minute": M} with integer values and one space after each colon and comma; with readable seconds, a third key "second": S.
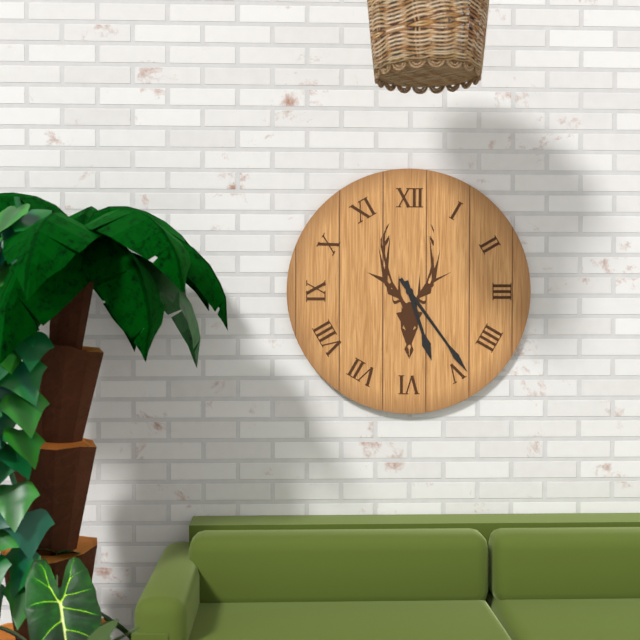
{"hour": 5, "minute": 24}
